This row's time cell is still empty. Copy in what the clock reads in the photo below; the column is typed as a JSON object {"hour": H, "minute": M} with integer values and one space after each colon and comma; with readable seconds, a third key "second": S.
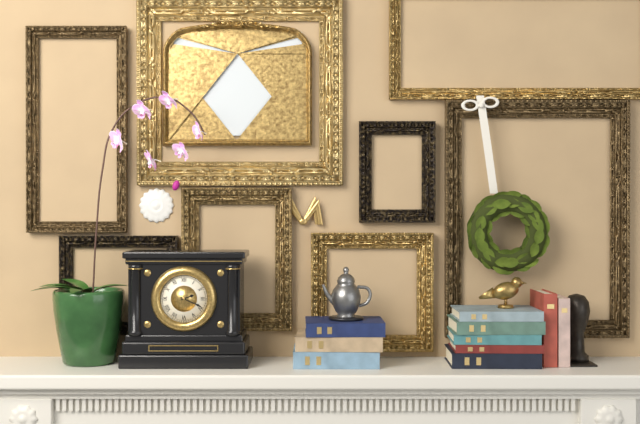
{"hour": 2, "minute": 19}
